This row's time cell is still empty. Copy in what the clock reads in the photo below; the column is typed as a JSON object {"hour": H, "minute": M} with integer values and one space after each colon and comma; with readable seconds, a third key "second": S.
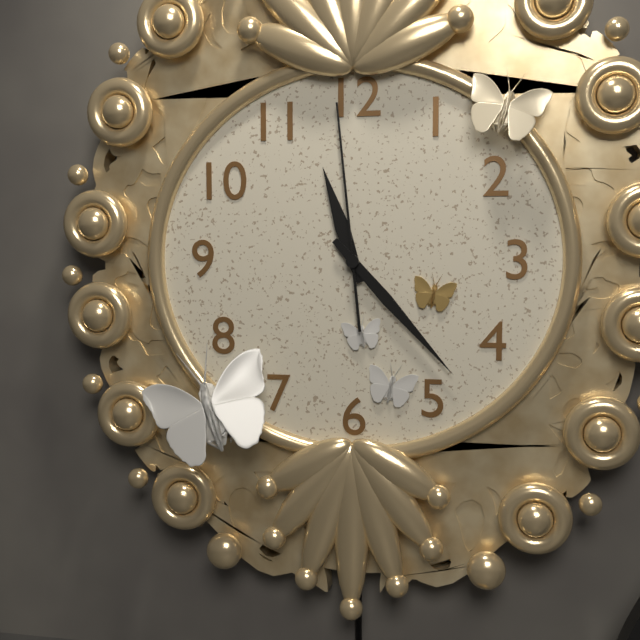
{"hour": 11, "minute": 23, "second": 59}
